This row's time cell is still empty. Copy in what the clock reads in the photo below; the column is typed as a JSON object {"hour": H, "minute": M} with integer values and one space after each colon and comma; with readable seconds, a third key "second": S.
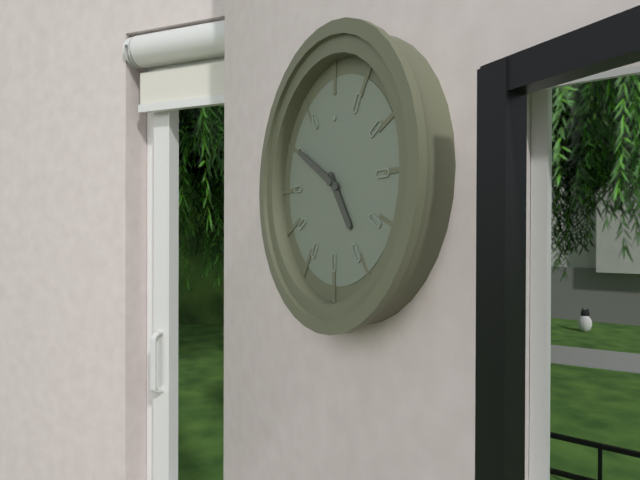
{"hour": 4, "minute": 50}
